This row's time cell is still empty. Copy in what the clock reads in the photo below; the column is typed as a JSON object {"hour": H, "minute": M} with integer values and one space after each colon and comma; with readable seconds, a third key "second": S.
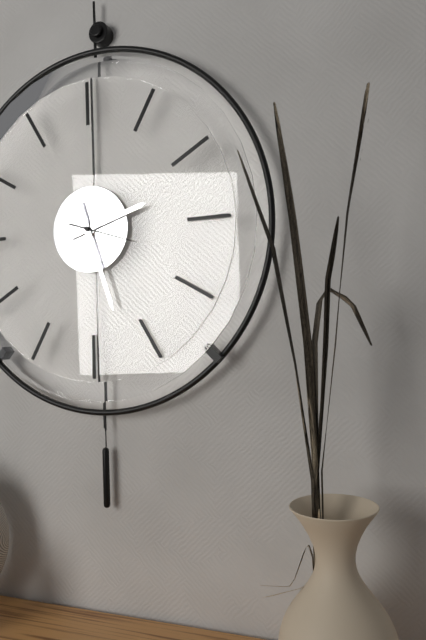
{"hour": 2, "minute": 27}
